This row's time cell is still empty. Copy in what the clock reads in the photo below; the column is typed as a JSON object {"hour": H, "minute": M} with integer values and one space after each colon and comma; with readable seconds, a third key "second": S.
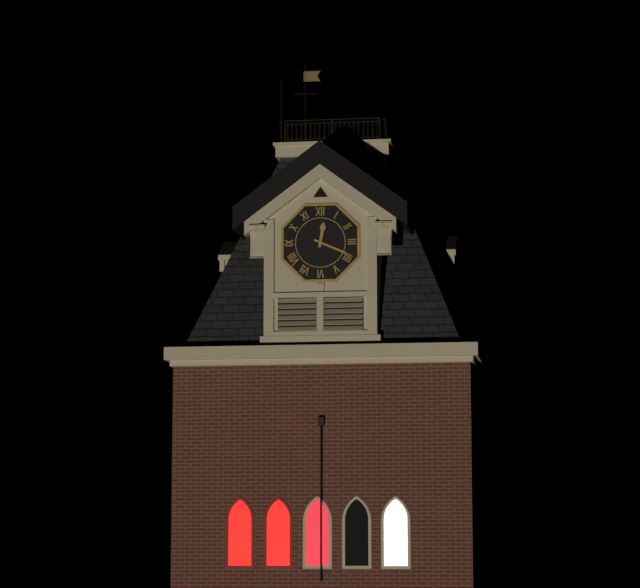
{"hour": 12, "minute": 19}
